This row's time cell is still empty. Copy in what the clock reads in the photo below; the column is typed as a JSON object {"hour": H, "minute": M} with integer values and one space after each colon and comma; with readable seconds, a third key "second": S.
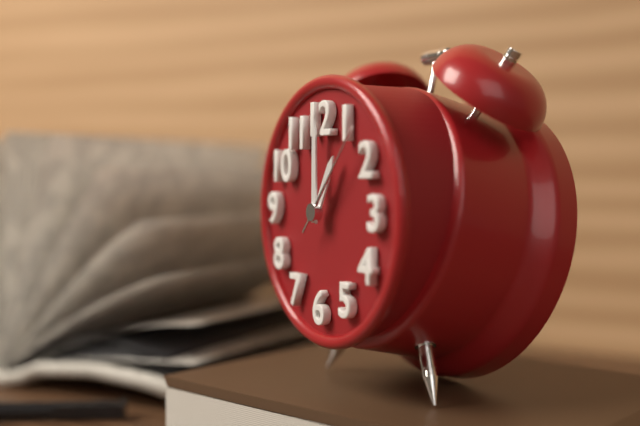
{"hour": 1, "minute": 0, "second": 7}
